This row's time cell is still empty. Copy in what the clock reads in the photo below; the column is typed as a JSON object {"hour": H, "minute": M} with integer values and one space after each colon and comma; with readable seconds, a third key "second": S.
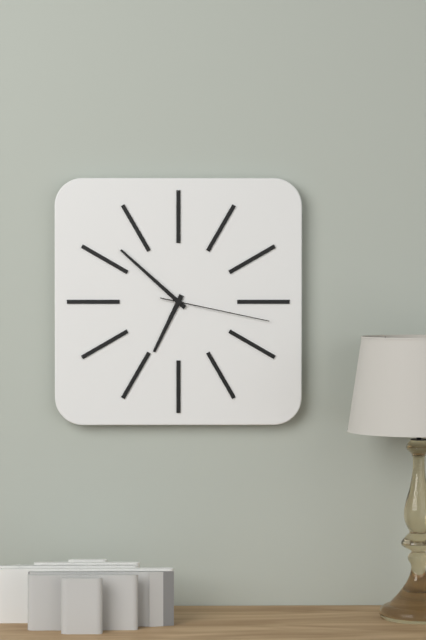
{"hour": 6, "minute": 52, "second": 17}
